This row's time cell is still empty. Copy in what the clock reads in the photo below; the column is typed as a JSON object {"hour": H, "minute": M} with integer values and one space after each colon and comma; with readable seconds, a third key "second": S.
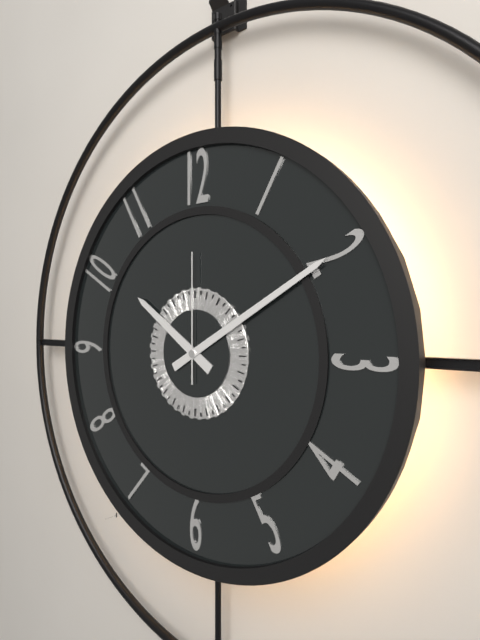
{"hour": 10, "minute": 10, "second": 0}
